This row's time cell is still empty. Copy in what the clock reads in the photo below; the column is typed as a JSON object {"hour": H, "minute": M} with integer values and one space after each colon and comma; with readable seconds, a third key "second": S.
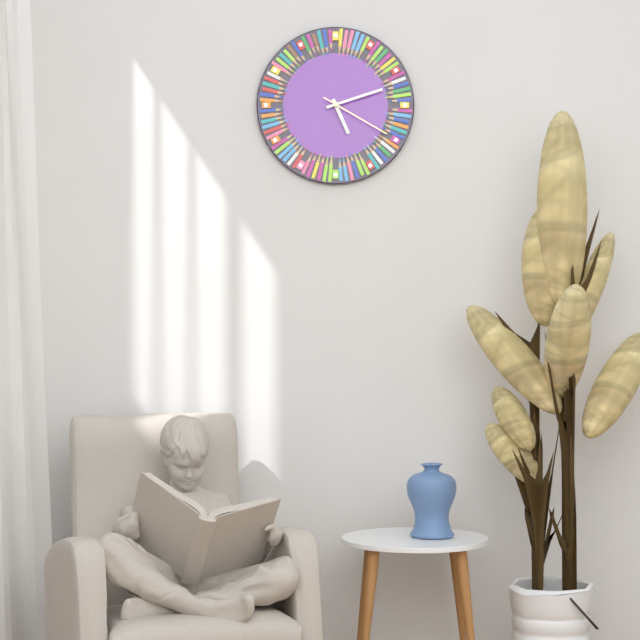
{"hour": 5, "minute": 12, "second": 20}
